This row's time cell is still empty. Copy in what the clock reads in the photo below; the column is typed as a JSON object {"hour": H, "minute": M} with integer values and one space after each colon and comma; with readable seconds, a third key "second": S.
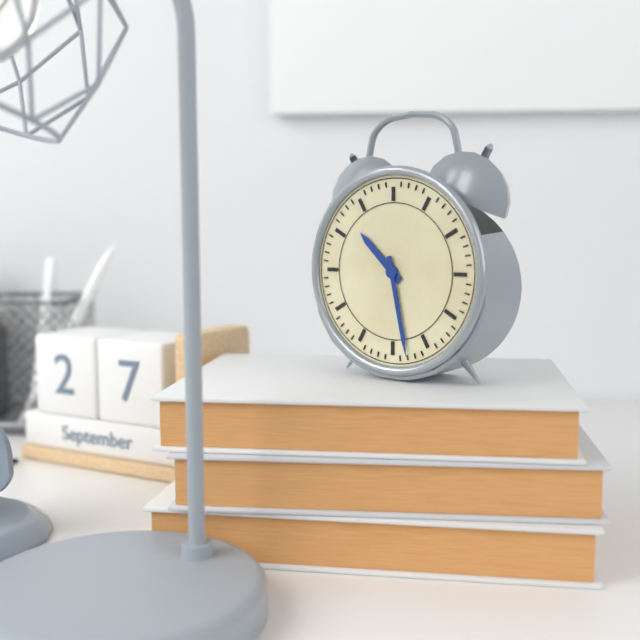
{"hour": 10, "minute": 28}
